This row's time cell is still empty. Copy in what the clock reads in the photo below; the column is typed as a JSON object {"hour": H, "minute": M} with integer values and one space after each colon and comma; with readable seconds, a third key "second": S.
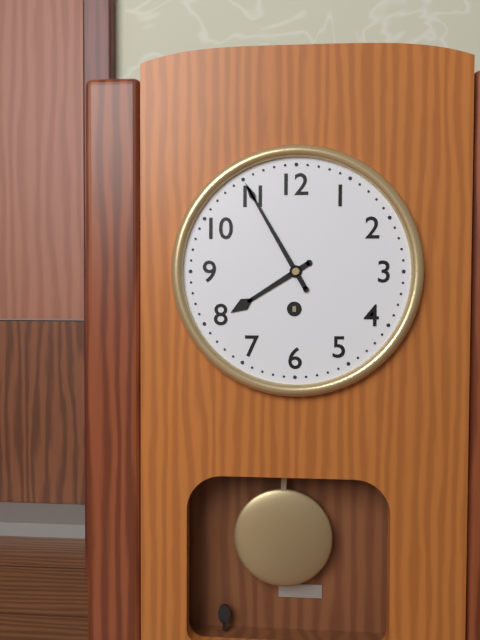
{"hour": 7, "minute": 55}
